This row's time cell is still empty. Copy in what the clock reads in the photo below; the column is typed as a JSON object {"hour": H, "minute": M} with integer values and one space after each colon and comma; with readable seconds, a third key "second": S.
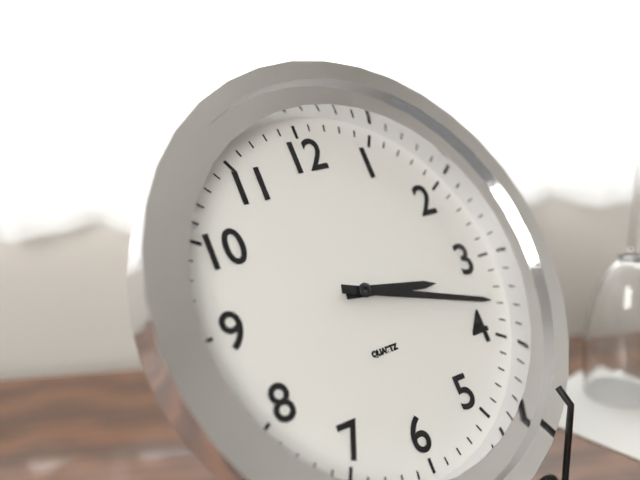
{"hour": 3, "minute": 18}
